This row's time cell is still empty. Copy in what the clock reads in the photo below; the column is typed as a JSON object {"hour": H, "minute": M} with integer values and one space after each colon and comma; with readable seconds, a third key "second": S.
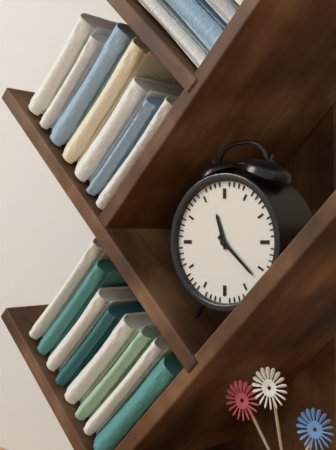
{"hour": 11, "minute": 22}
